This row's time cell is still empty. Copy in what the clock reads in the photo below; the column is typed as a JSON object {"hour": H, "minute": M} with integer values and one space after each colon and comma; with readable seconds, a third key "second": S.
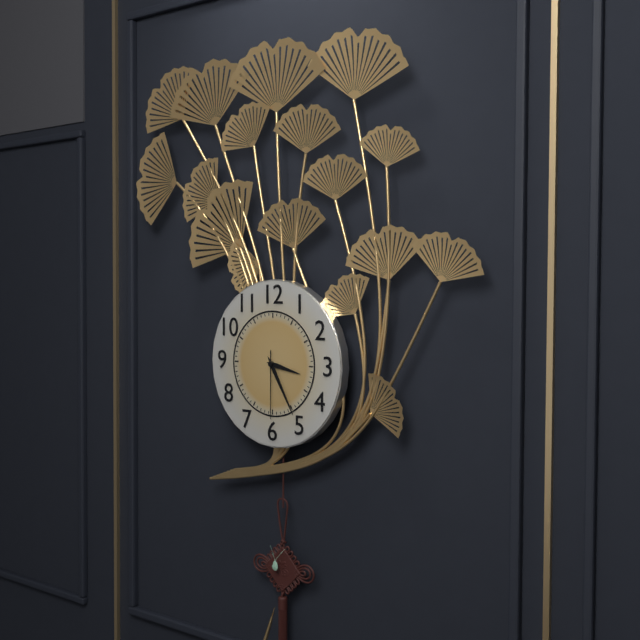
{"hour": 3, "minute": 25, "second": 30}
